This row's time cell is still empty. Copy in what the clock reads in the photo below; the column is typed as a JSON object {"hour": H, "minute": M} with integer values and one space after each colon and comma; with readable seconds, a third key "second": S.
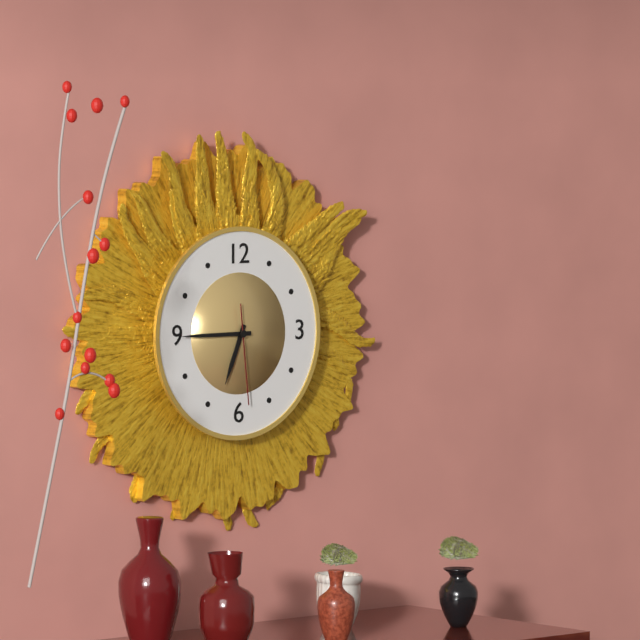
{"hour": 6, "minute": 45, "second": 29}
